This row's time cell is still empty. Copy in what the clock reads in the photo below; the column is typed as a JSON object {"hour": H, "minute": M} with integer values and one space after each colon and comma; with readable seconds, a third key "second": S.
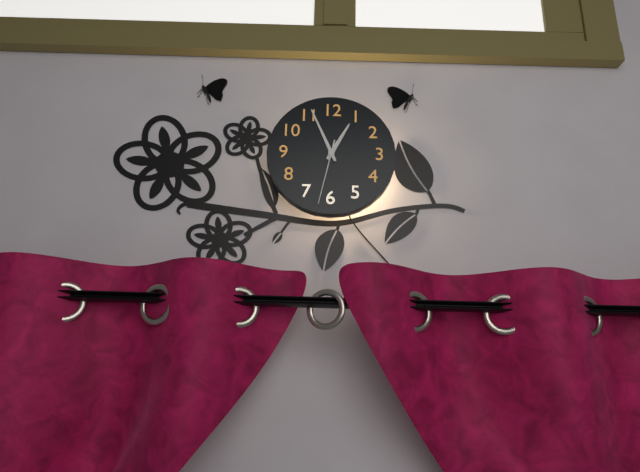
{"hour": 12, "minute": 56, "second": 32}
